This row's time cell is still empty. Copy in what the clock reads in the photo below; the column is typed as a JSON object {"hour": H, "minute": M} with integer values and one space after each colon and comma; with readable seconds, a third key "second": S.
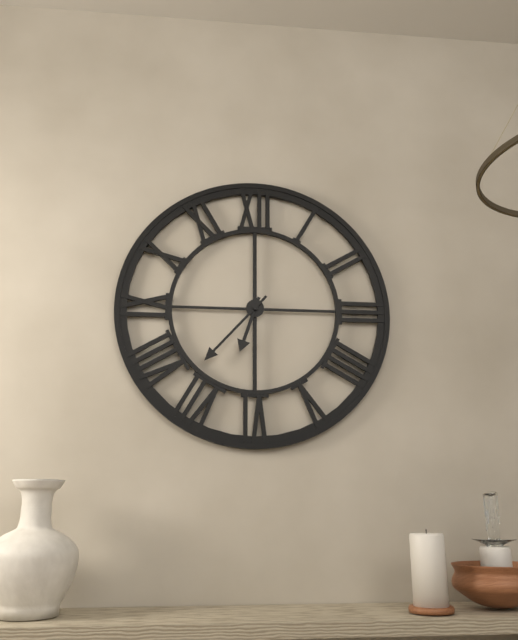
{"hour": 6, "minute": 37}
